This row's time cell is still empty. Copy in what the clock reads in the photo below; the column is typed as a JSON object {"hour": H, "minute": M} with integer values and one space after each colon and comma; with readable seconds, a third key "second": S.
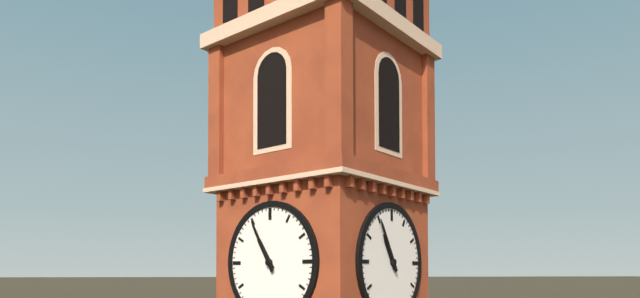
{"hour": 10, "minute": 55}
